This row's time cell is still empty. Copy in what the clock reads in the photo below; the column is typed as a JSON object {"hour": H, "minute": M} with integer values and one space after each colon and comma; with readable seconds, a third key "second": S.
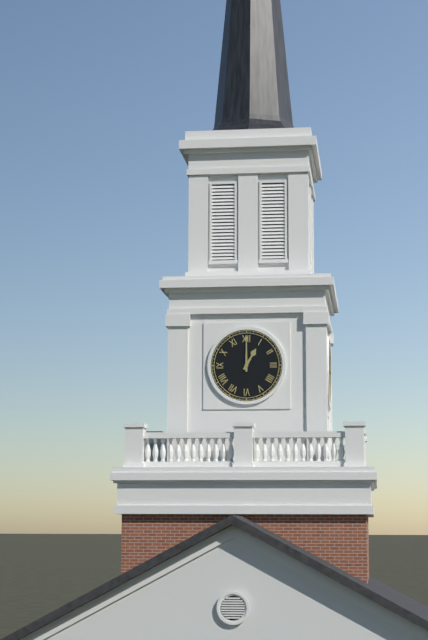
{"hour": 1, "minute": 0}
